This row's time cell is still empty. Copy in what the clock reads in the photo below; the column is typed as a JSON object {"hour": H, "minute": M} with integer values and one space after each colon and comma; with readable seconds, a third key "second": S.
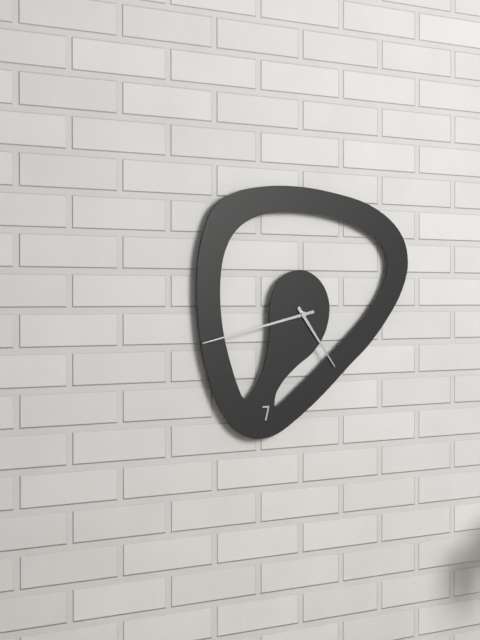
{"hour": 4, "minute": 43}
